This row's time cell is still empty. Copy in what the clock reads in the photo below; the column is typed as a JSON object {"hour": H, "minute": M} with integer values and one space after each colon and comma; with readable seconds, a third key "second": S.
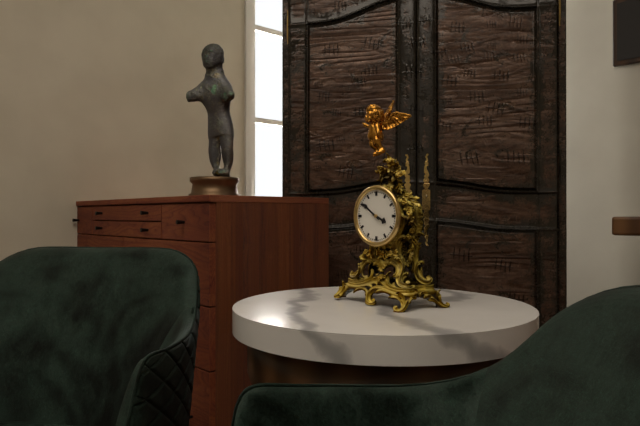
{"hour": 3, "minute": 51}
